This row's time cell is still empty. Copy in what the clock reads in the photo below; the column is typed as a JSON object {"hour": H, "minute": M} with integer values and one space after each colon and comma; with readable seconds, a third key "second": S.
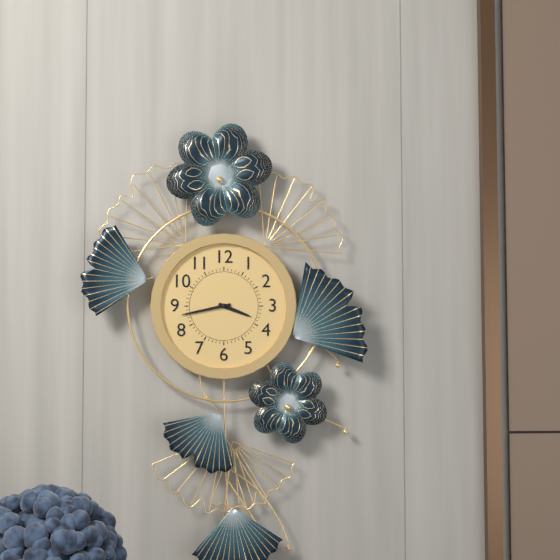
{"hour": 3, "minute": 43}
